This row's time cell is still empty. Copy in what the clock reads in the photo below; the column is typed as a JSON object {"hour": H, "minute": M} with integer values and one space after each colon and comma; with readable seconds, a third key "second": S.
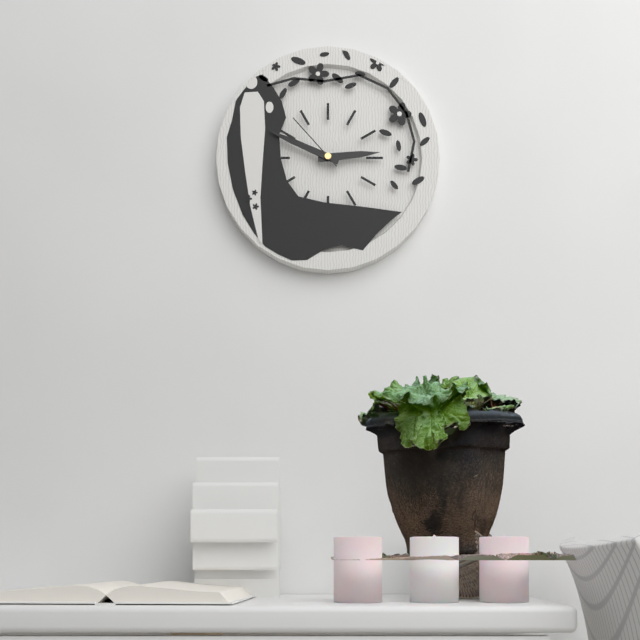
{"hour": 2, "minute": 49, "second": 53}
